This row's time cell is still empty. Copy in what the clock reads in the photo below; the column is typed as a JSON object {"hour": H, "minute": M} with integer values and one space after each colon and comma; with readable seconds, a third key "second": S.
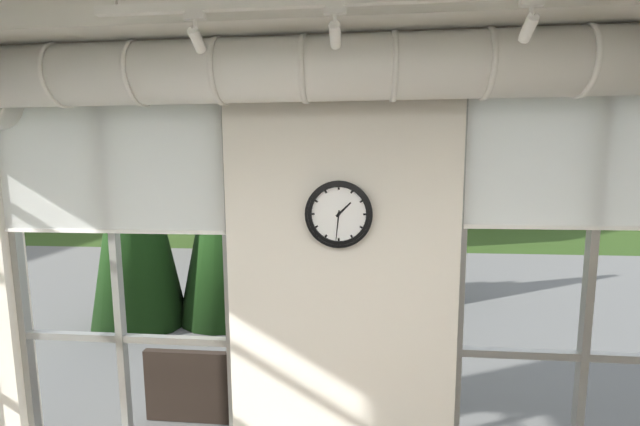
{"hour": 1, "minute": 31}
